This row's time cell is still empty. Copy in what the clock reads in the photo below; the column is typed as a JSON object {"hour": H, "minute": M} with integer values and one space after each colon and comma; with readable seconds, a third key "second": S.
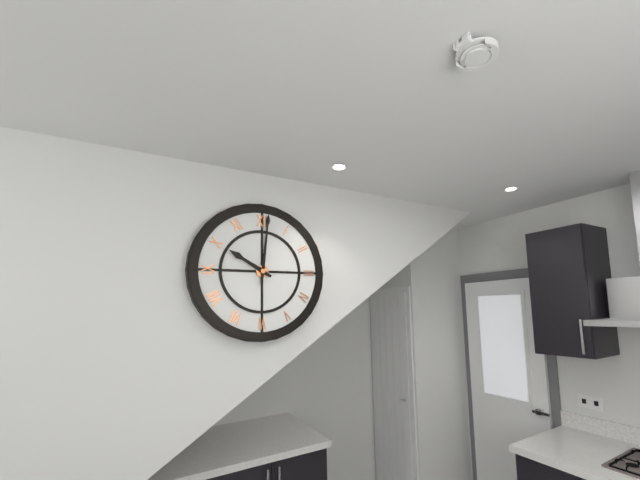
{"hour": 10, "minute": 1}
